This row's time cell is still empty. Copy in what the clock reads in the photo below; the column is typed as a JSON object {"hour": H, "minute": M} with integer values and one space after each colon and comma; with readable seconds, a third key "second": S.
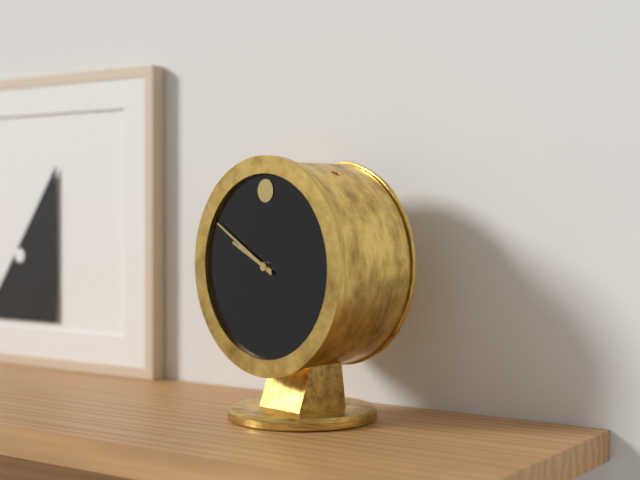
{"hour": 9, "minute": 50}
